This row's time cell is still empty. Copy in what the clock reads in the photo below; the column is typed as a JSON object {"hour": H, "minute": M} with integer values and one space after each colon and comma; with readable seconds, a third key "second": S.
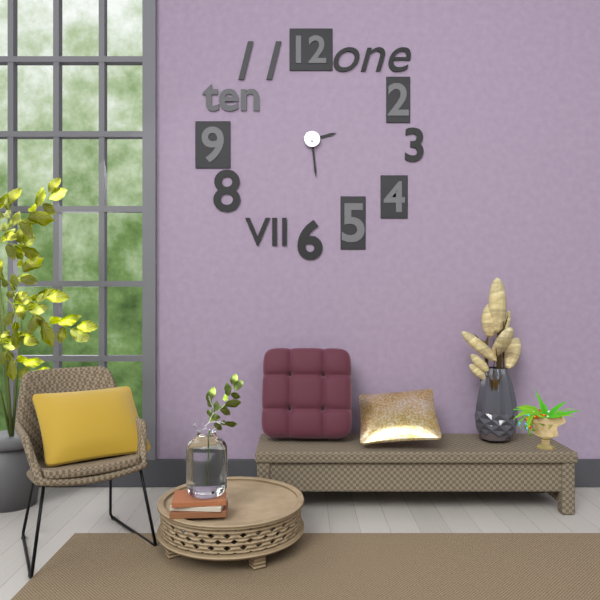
{"hour": 2, "minute": 29}
